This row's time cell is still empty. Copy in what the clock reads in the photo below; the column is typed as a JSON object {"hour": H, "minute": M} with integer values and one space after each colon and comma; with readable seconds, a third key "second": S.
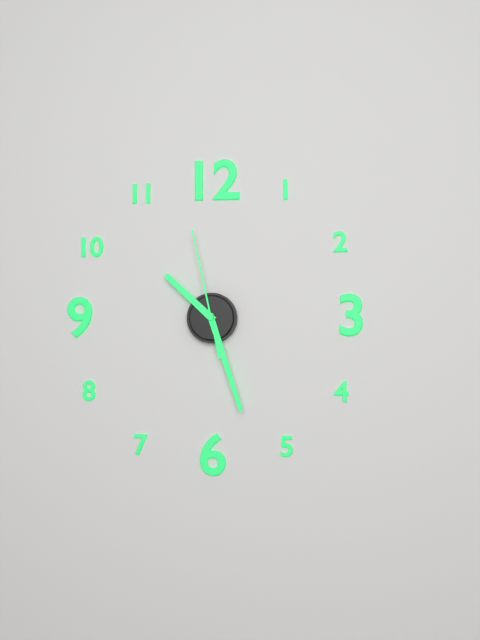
{"hour": 10, "minute": 27, "second": 58}
